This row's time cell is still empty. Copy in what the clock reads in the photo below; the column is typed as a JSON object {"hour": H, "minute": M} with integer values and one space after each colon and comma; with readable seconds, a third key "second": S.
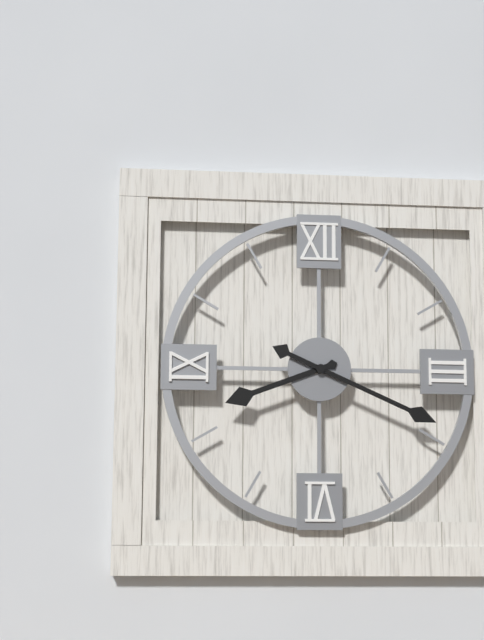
{"hour": 8, "minute": 19}
